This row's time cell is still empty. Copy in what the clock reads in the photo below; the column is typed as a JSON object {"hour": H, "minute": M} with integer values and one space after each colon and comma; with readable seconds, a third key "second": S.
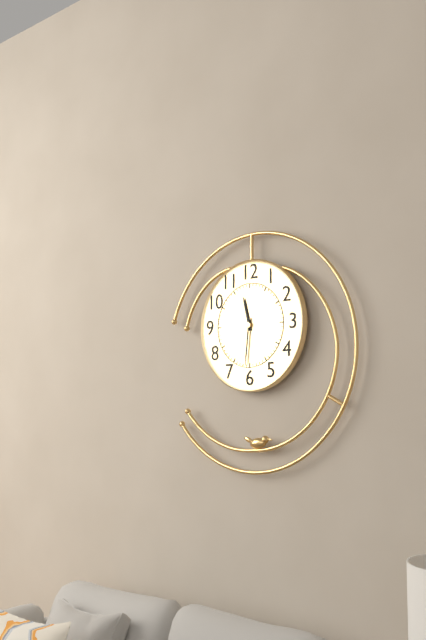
{"hour": 11, "minute": 31}
